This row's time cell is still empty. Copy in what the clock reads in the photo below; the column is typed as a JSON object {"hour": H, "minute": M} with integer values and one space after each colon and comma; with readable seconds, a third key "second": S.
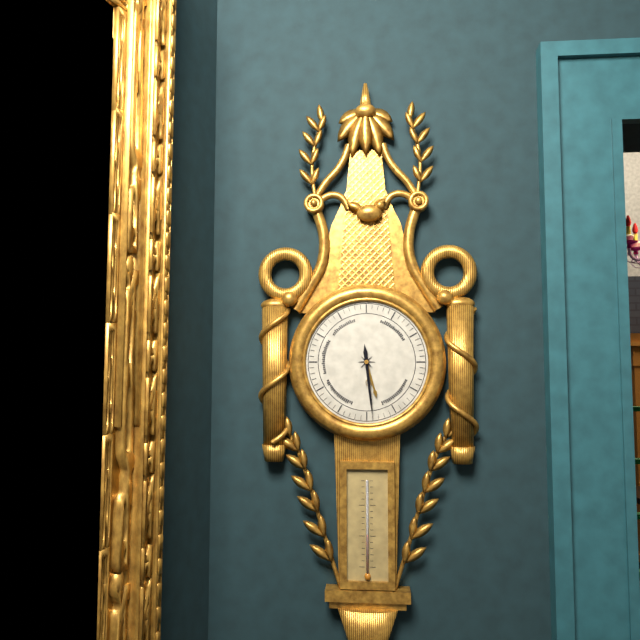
{"hour": 5, "minute": 29}
